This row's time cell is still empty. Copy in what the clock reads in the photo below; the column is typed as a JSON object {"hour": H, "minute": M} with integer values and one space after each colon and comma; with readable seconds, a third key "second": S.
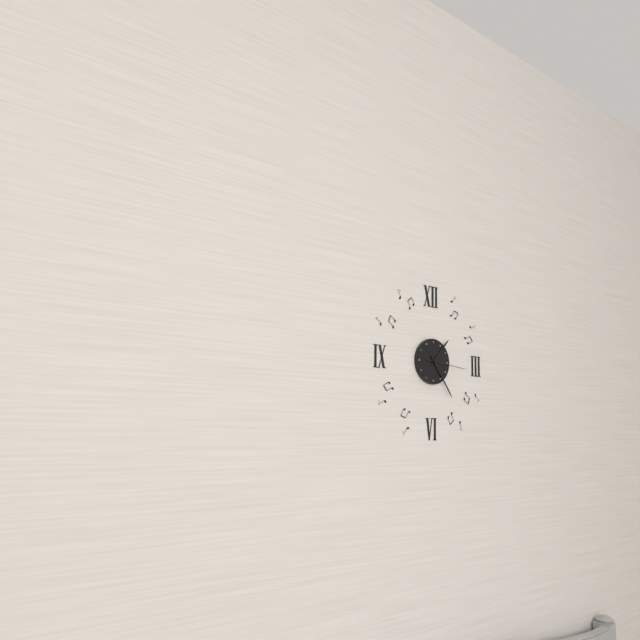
{"hour": 1, "minute": 24}
